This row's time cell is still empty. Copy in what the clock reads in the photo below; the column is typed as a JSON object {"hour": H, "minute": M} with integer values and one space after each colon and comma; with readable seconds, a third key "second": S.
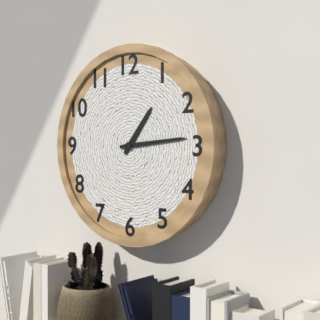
{"hour": 1, "minute": 14}
